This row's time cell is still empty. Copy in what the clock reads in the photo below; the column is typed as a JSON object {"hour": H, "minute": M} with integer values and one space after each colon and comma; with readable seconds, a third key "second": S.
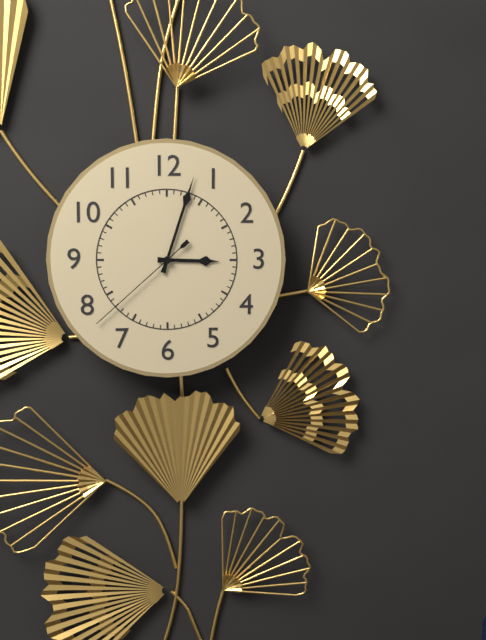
{"hour": 3, "minute": 3, "second": 38}
